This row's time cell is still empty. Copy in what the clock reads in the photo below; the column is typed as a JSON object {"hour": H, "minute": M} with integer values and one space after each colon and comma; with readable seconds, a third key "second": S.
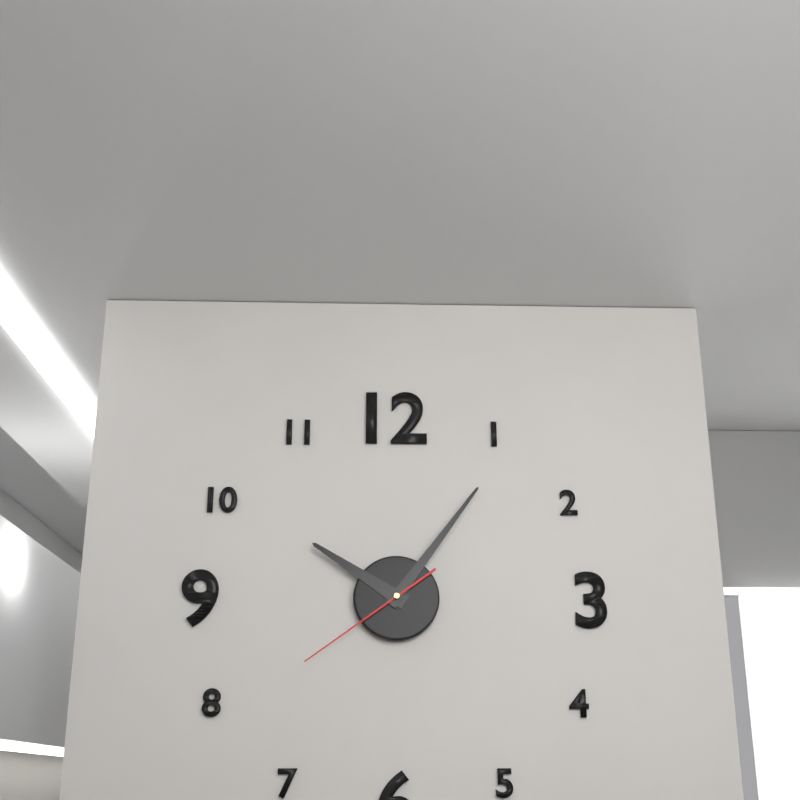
{"hour": 10, "minute": 6, "second": 39}
